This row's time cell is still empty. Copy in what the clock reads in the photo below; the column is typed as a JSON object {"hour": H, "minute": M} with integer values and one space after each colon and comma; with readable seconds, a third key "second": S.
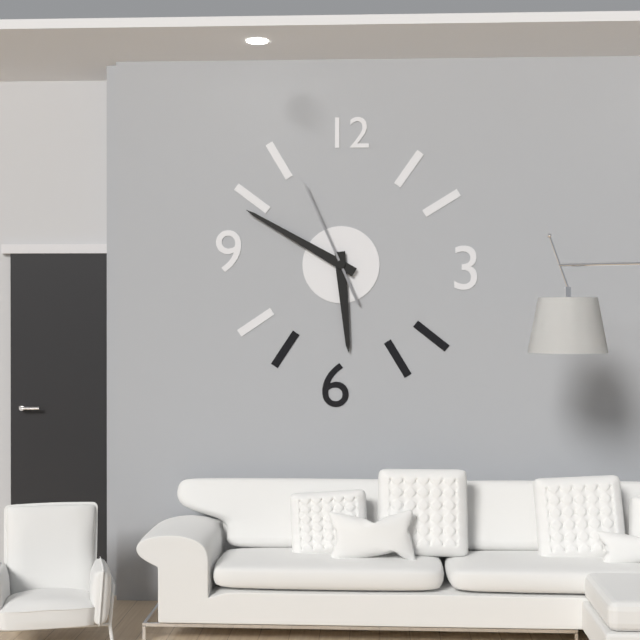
{"hour": 5, "minute": 50, "second": 56}
